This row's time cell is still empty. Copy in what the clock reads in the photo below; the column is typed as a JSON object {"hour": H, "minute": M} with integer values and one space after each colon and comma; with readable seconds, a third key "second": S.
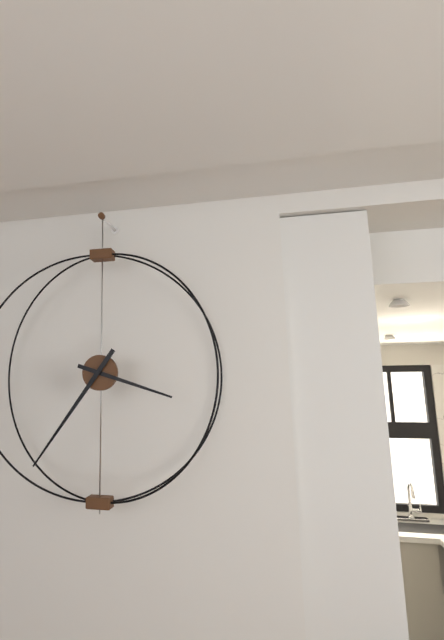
{"hour": 3, "minute": 36}
